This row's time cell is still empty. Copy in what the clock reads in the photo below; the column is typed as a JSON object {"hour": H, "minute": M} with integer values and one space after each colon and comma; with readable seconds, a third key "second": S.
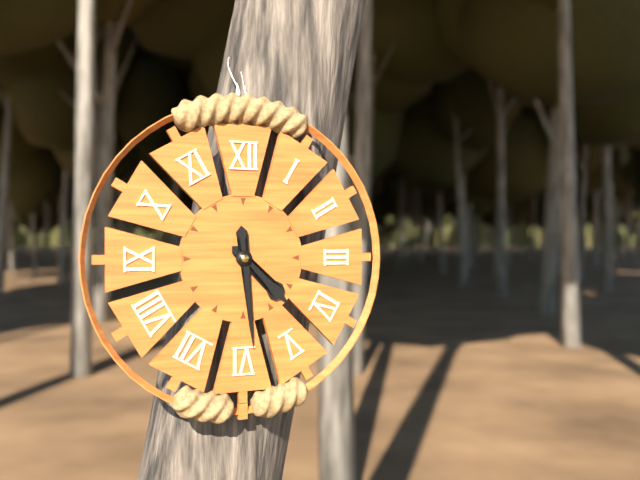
{"hour": 4, "minute": 29}
